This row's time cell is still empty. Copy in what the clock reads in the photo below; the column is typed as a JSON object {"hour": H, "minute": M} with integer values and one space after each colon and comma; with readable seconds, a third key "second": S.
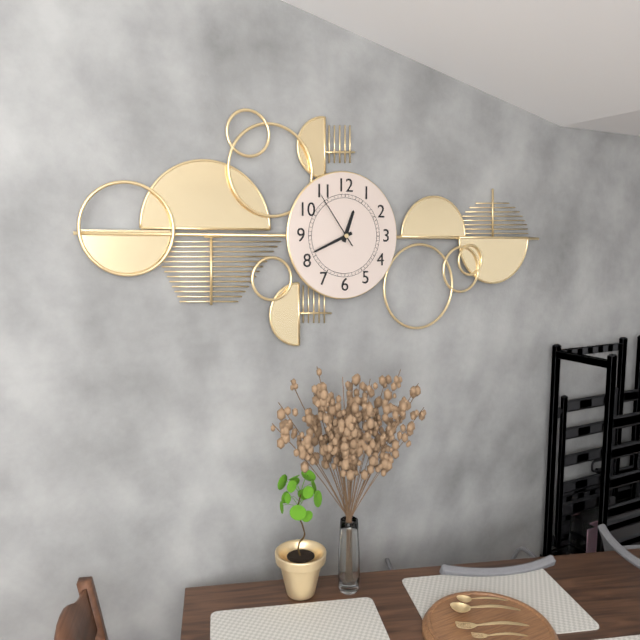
{"hour": 12, "minute": 41, "second": 54}
